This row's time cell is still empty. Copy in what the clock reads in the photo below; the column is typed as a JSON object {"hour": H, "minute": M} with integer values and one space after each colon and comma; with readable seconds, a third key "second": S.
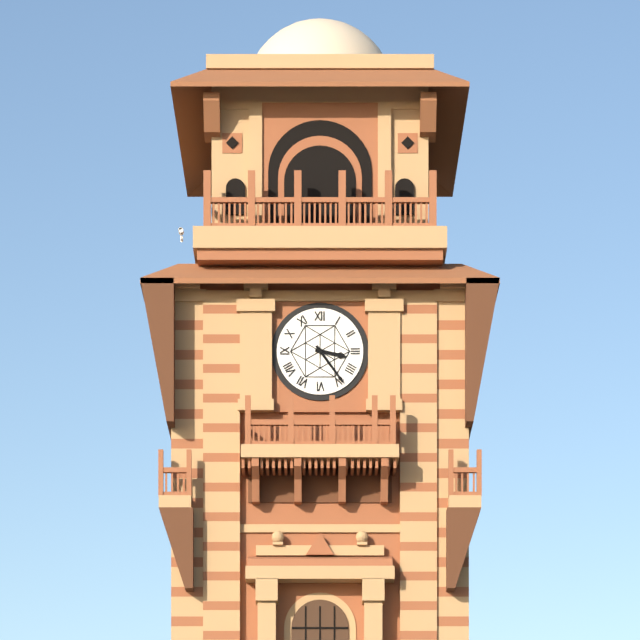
{"hour": 3, "minute": 24}
